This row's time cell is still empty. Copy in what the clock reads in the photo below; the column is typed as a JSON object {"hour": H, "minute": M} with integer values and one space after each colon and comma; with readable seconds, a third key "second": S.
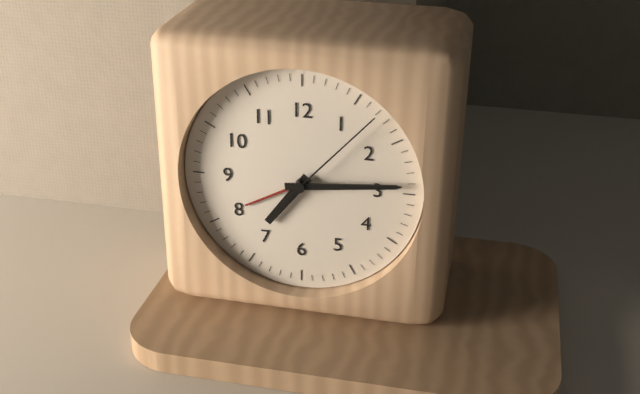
{"hour": 7, "minute": 14, "second": 7}
